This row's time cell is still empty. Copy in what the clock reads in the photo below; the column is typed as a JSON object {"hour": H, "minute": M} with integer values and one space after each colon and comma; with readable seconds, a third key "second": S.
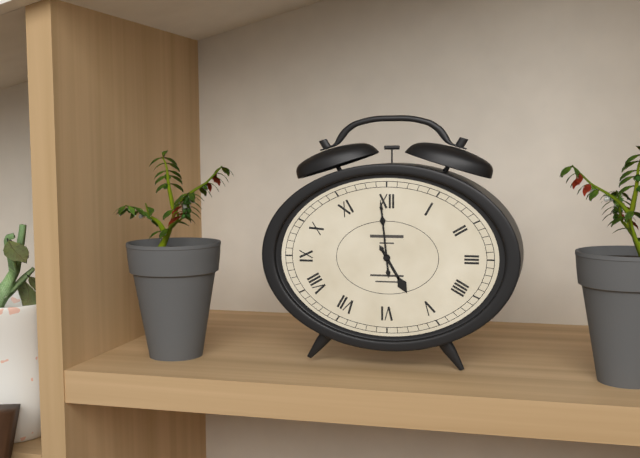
{"hour": 4, "minute": 59}
